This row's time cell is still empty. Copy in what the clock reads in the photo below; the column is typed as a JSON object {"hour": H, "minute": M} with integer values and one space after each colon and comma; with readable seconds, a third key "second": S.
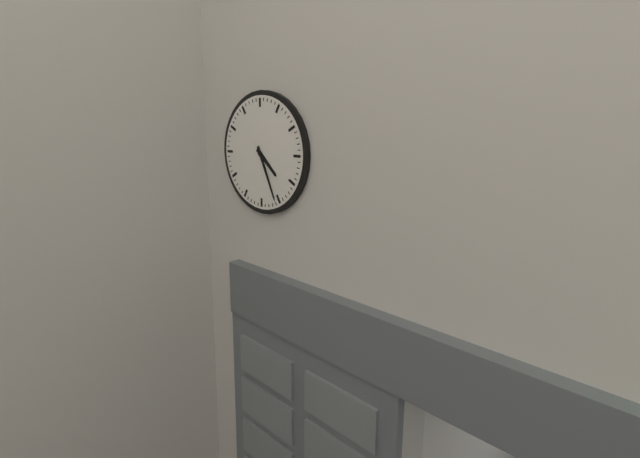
{"hour": 4, "minute": 26}
